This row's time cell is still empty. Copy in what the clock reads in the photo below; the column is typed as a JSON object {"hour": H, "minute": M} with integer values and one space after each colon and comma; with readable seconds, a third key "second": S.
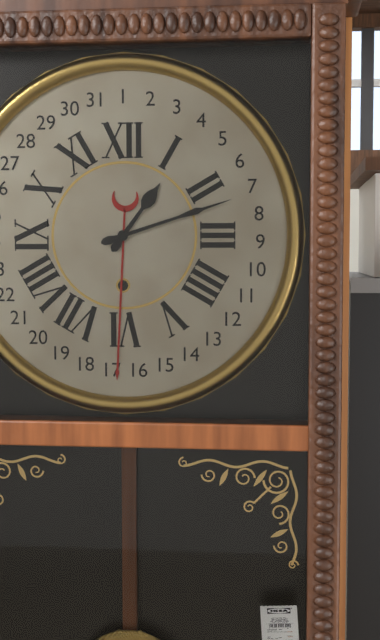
{"hour": 1, "minute": 12}
